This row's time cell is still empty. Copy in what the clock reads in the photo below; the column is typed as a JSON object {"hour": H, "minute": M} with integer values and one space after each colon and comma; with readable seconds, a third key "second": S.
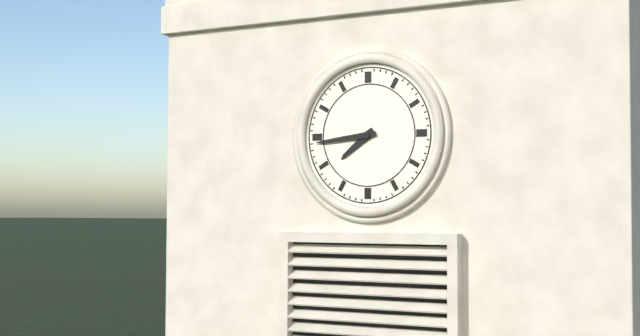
{"hour": 7, "minute": 44}
